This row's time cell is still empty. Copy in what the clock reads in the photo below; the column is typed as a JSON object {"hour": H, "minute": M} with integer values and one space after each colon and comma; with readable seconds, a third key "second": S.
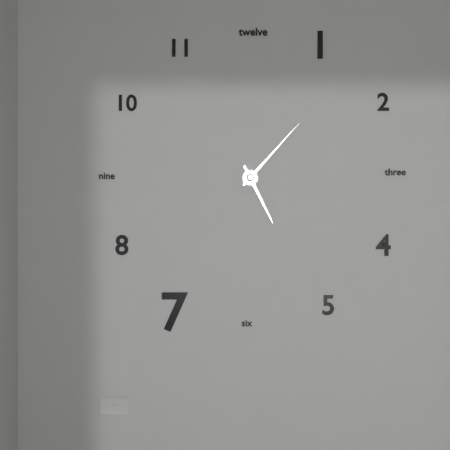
{"hour": 5, "minute": 7}
